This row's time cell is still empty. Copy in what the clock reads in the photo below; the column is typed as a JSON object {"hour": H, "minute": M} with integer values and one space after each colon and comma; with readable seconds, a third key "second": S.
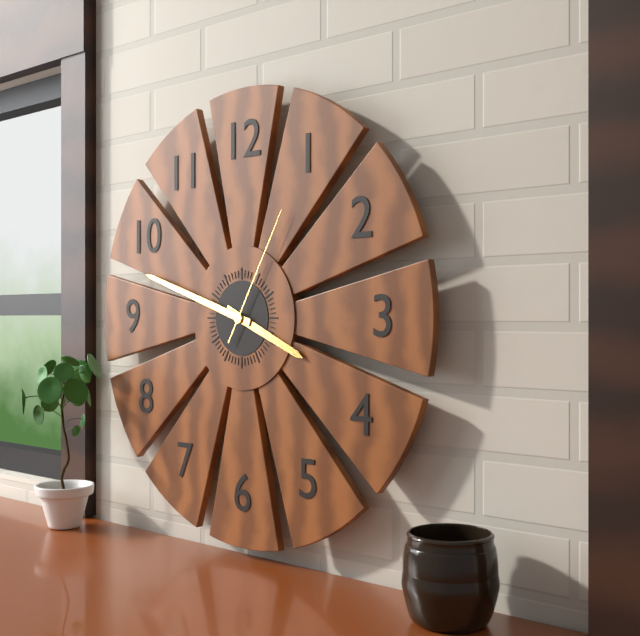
{"hour": 3, "minute": 48, "second": 5}
